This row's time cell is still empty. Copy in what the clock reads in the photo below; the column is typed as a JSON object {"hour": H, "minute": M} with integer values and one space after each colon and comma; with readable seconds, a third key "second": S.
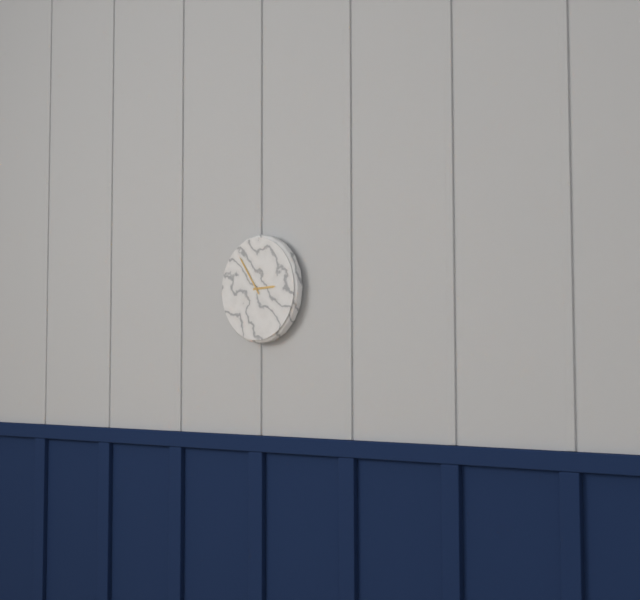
{"hour": 2, "minute": 54}
